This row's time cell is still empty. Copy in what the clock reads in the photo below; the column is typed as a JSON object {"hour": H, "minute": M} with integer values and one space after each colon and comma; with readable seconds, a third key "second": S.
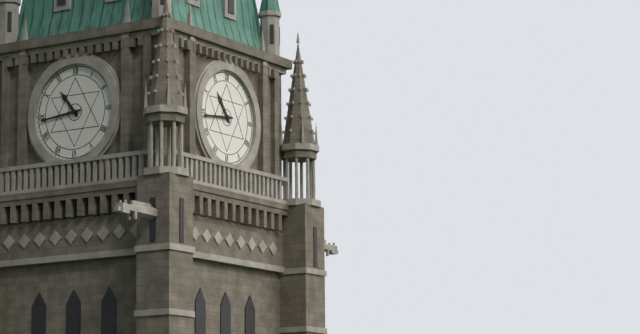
{"hour": 10, "minute": 44}
